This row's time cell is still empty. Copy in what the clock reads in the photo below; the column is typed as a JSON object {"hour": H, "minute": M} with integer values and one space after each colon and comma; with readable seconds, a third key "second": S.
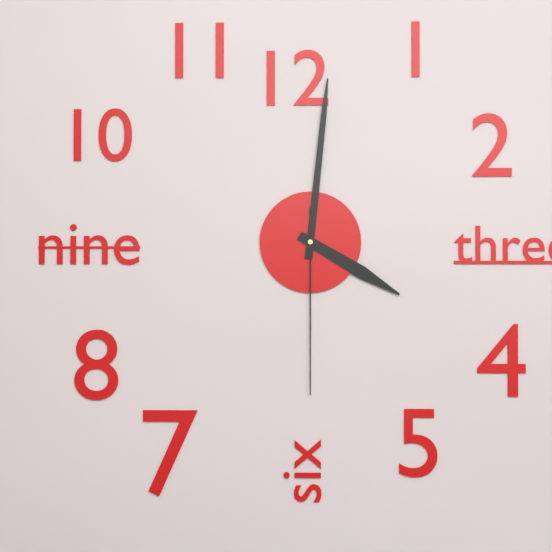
{"hour": 4, "minute": 1, "second": 30}
